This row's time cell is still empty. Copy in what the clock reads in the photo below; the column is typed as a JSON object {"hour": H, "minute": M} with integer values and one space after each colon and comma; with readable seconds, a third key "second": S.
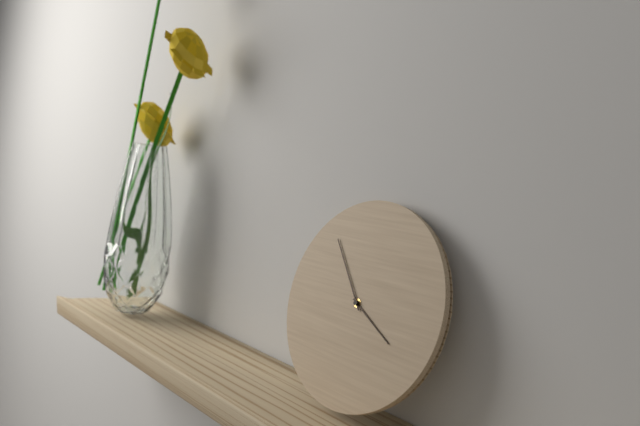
{"hour": 3, "minute": 53}
